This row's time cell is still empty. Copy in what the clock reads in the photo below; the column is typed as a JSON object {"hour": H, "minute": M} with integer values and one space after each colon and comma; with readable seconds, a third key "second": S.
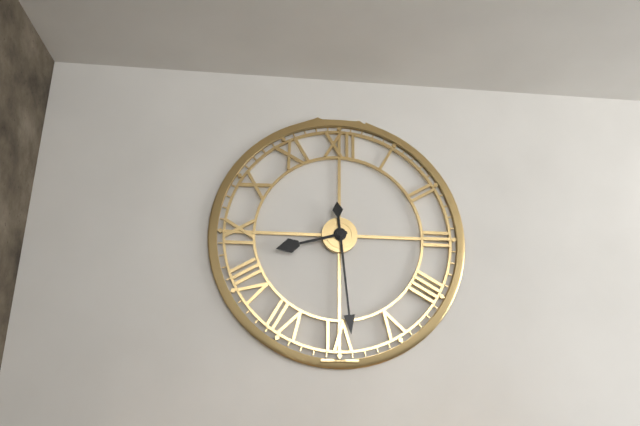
{"hour": 8, "minute": 29}
